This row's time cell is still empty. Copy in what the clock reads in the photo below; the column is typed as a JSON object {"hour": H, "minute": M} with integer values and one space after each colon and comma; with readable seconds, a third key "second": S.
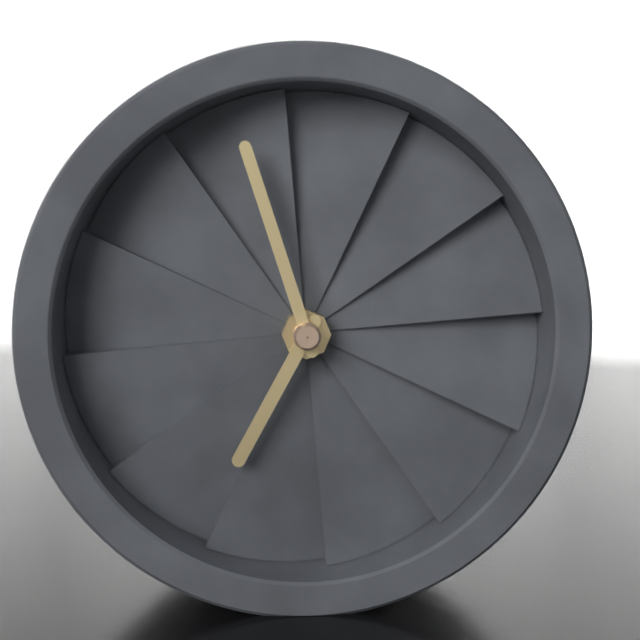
{"hour": 6, "minute": 57}
